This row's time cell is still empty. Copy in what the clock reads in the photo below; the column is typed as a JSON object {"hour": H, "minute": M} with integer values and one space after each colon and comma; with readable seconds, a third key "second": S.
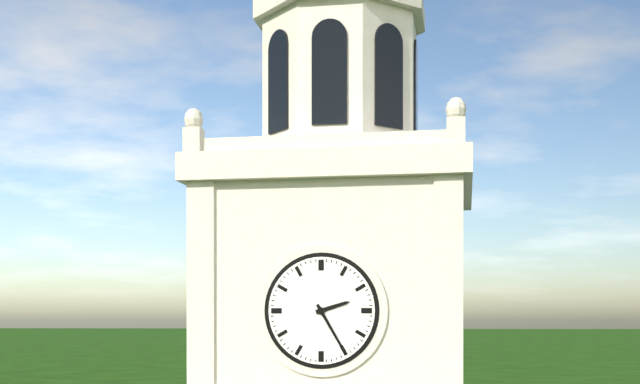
{"hour": 2, "minute": 25}
